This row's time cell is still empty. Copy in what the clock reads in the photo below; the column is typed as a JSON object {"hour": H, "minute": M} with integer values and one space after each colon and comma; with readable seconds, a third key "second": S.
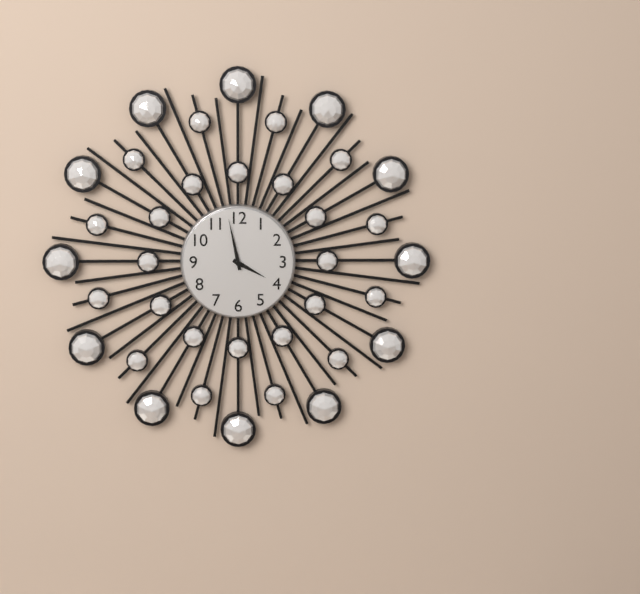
{"hour": 3, "minute": 58}
